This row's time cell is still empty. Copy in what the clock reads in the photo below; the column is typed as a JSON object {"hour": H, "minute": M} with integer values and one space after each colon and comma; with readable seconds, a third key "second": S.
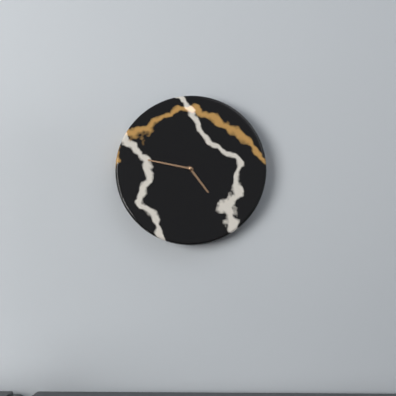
{"hour": 4, "minute": 47}
